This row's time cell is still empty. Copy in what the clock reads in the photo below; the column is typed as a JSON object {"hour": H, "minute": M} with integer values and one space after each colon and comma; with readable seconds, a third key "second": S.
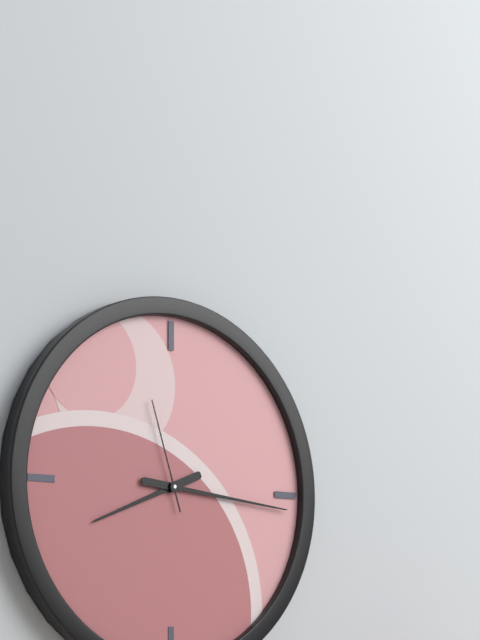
{"hour": 8, "minute": 16, "second": 57}
